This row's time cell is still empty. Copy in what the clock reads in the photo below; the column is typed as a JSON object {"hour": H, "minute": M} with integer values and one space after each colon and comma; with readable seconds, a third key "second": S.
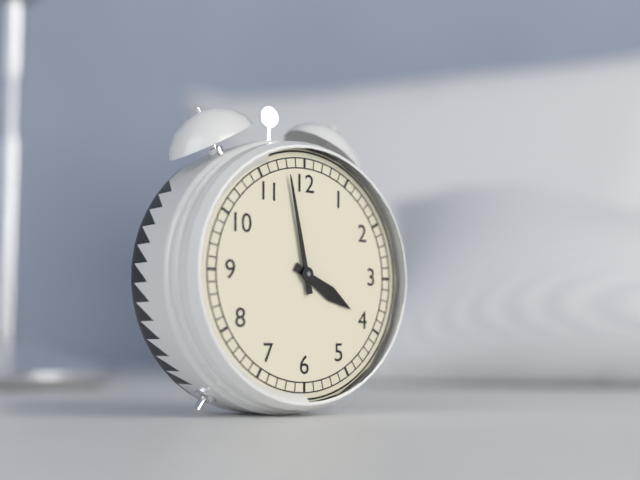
{"hour": 3, "minute": 58}
